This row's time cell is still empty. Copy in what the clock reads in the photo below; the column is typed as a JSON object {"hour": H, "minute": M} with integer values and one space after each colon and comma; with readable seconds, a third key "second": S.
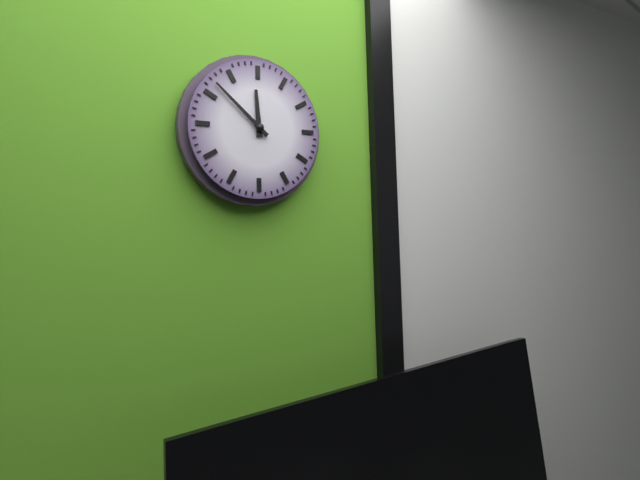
{"hour": 11, "minute": 52}
